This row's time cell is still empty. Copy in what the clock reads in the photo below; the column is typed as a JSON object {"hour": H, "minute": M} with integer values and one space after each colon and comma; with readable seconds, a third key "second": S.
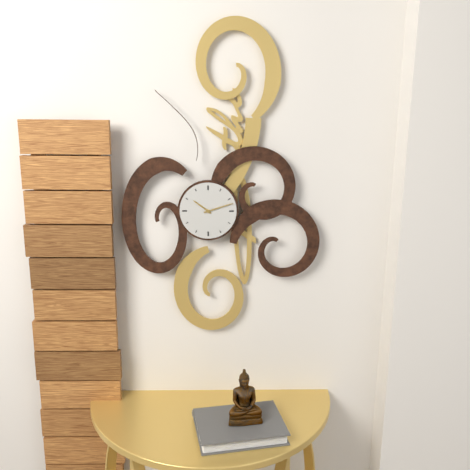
{"hour": 10, "minute": 12}
